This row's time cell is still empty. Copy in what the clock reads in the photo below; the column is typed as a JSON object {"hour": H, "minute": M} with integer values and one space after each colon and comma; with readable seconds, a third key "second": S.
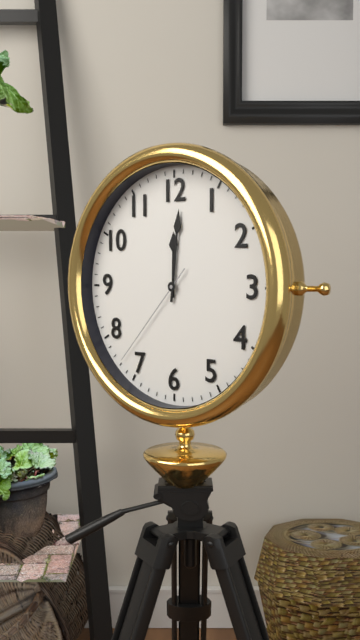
{"hour": 12, "minute": 1, "second": 37}
